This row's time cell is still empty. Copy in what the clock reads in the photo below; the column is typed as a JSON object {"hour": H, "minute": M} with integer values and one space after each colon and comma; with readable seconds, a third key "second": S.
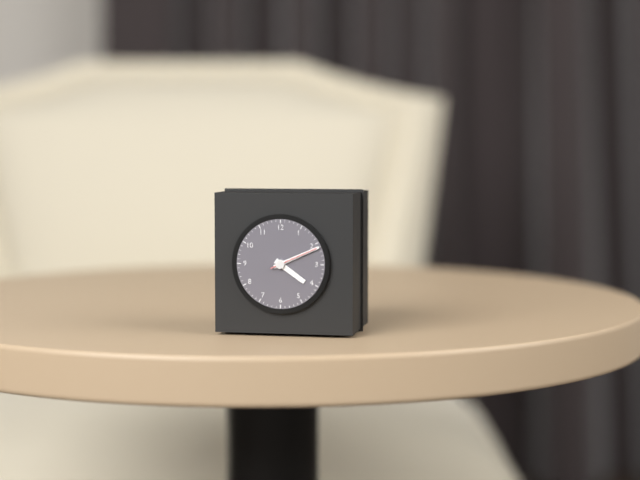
{"hour": 4, "minute": 11}
